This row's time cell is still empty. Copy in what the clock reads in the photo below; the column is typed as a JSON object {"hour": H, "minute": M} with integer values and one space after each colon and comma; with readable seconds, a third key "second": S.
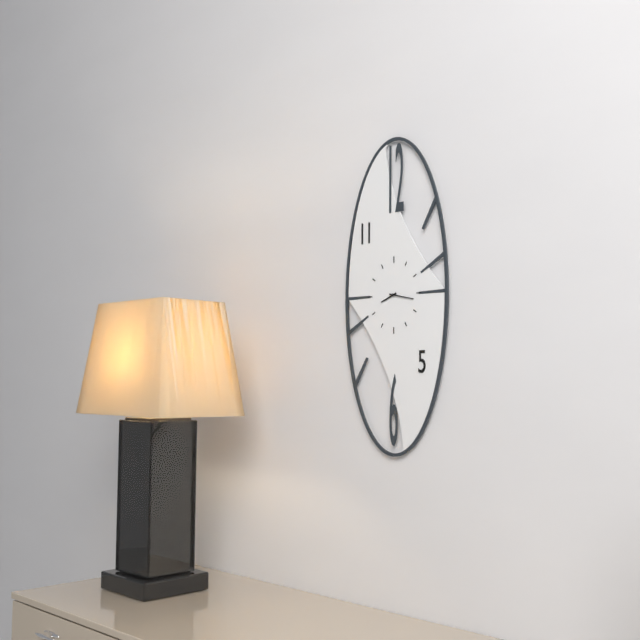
{"hour": 8, "minute": 17}
